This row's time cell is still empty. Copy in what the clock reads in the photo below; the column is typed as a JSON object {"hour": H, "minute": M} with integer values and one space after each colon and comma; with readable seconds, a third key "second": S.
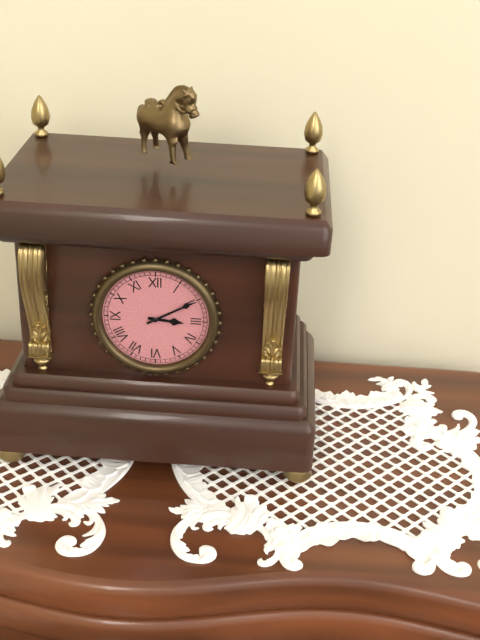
{"hour": 3, "minute": 10}
